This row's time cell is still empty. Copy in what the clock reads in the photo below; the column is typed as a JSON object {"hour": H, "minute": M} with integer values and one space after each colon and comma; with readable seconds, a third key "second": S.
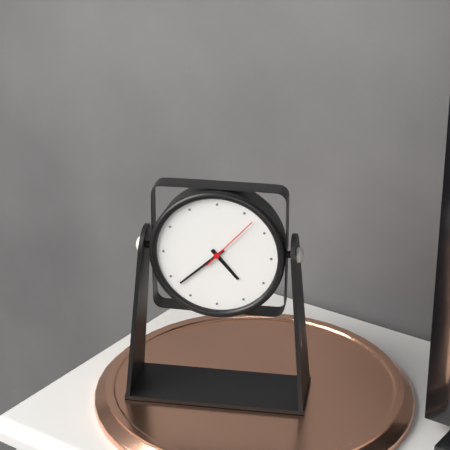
{"hour": 4, "minute": 38, "second": 7}
